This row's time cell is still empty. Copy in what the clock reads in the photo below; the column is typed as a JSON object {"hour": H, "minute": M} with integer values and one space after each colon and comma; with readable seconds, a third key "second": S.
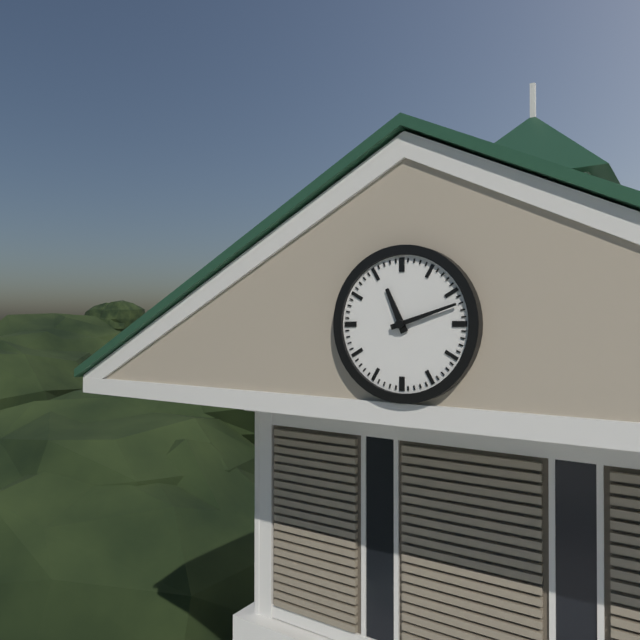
{"hour": 11, "minute": 12}
